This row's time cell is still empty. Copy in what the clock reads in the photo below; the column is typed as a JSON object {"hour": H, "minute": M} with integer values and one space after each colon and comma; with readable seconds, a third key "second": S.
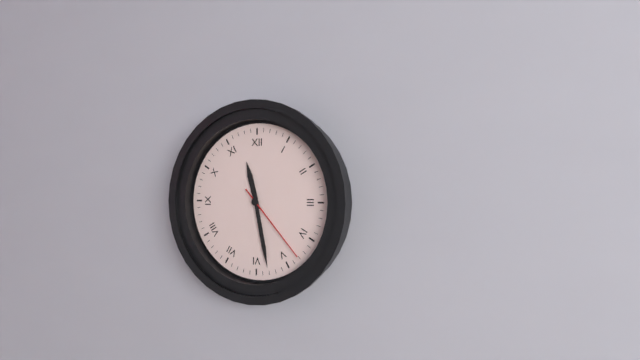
{"hour": 11, "minute": 28, "second": 23}
